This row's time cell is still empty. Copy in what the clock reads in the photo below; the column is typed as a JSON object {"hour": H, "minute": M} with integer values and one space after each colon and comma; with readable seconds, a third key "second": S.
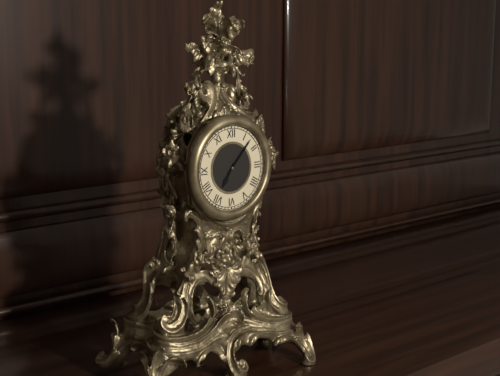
{"hour": 7, "minute": 7}
